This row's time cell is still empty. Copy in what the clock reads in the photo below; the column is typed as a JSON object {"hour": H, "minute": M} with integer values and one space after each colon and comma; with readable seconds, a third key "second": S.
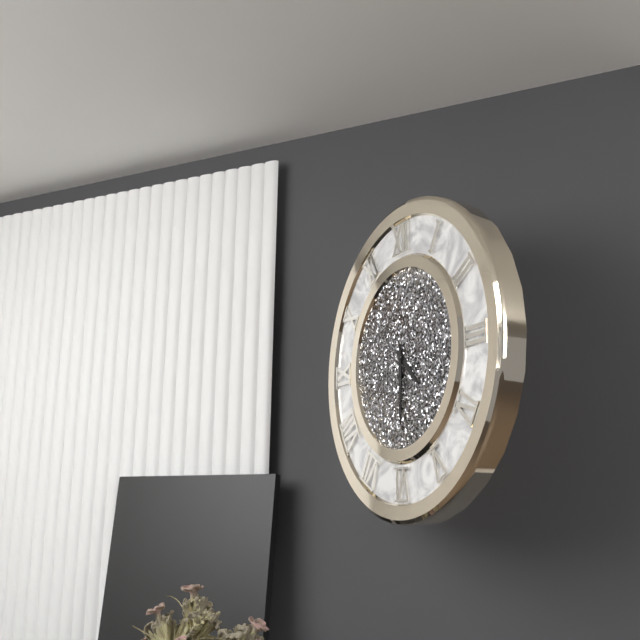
{"hour": 4, "minute": 30}
